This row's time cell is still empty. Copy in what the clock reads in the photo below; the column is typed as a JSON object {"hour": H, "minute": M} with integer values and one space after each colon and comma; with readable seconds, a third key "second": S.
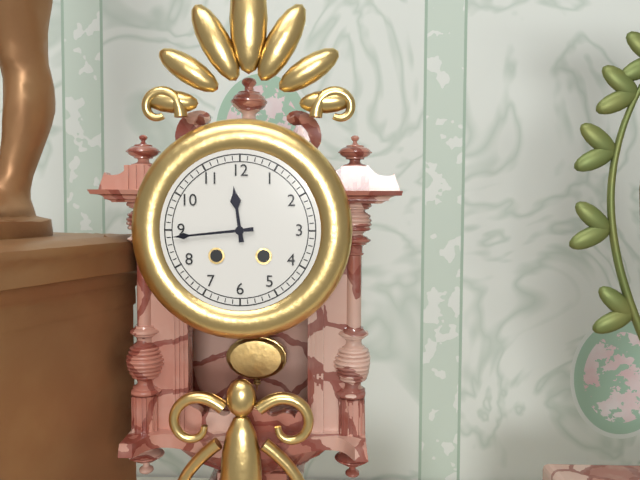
{"hour": 11, "minute": 44}
